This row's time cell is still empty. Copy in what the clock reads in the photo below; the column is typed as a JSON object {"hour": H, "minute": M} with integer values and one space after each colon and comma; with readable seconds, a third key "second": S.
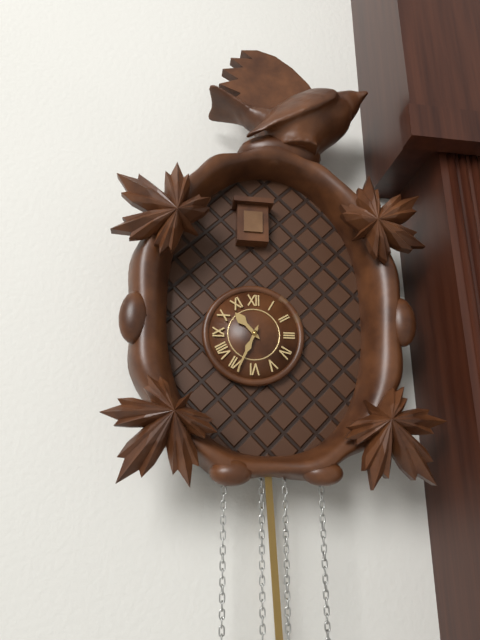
{"hour": 10, "minute": 34}
